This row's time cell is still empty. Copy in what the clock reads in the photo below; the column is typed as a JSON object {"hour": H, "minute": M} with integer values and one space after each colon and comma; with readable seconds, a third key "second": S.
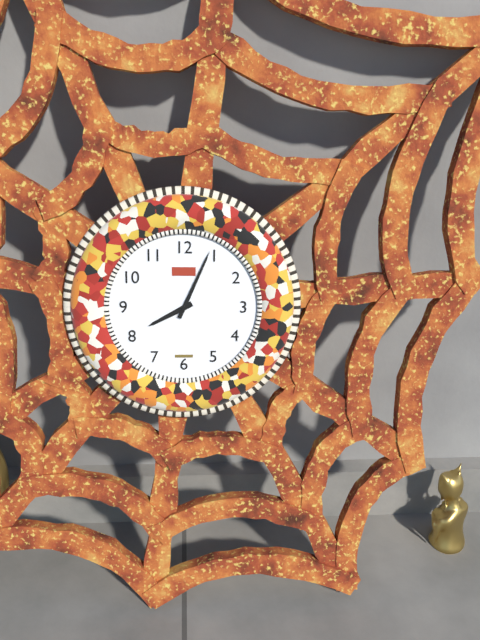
{"hour": 8, "minute": 4}
